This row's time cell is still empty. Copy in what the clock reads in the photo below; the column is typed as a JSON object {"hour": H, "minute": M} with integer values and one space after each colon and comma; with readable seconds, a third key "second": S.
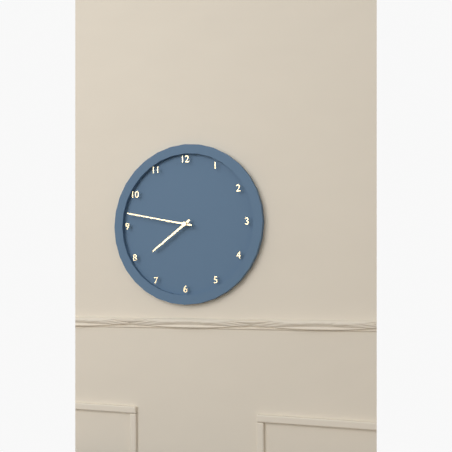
{"hour": 7, "minute": 47}
